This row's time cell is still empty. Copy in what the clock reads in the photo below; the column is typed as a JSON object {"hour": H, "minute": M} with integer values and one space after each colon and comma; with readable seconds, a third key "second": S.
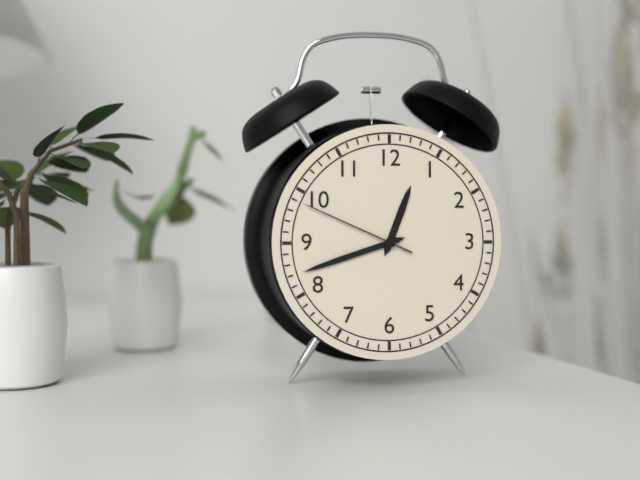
{"hour": 12, "minute": 42, "second": 49}
